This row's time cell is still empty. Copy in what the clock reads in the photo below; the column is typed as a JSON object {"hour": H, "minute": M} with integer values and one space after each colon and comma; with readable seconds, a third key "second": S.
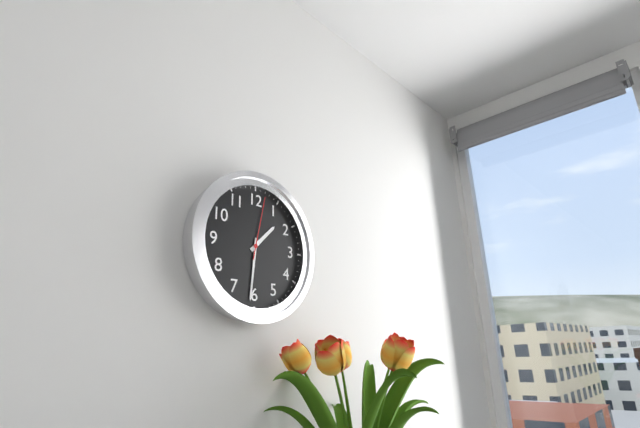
{"hour": 1, "minute": 31, "second": 2}
